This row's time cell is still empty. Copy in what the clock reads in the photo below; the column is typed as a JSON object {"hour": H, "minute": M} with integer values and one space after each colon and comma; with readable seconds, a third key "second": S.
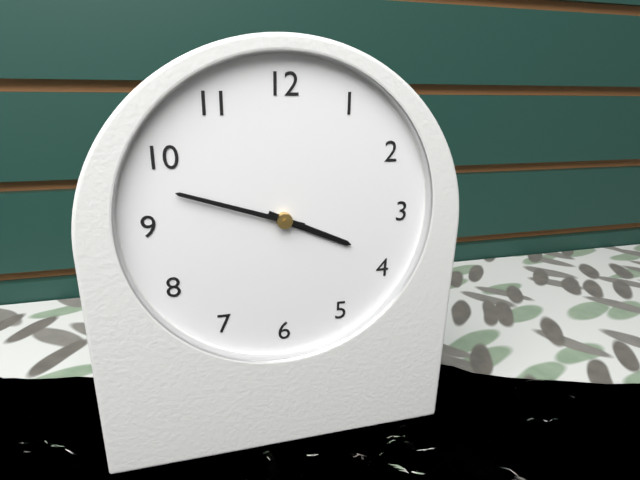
{"hour": 3, "minute": 48}
